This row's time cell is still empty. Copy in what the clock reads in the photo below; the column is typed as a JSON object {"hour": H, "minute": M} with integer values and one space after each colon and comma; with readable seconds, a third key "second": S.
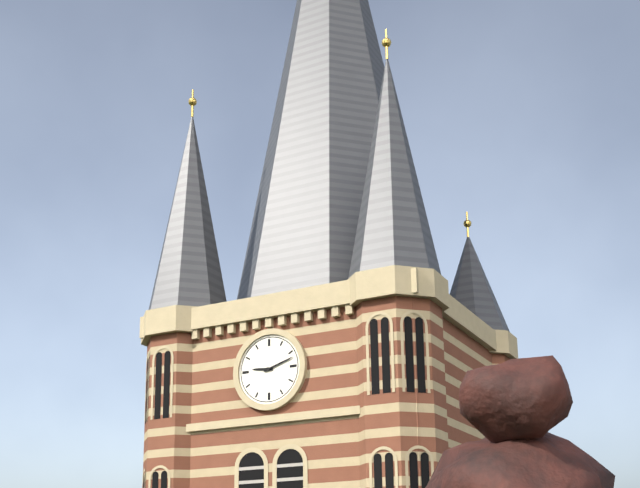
{"hour": 9, "minute": 12}
